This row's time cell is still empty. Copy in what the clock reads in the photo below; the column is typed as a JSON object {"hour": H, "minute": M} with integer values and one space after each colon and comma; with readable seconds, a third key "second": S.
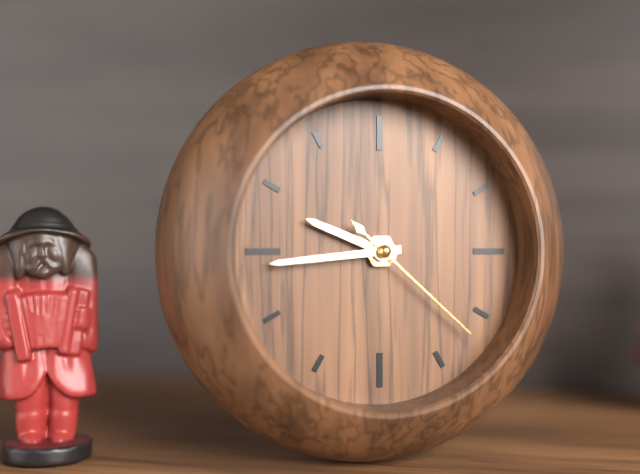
{"hour": 9, "minute": 44, "second": 22}
